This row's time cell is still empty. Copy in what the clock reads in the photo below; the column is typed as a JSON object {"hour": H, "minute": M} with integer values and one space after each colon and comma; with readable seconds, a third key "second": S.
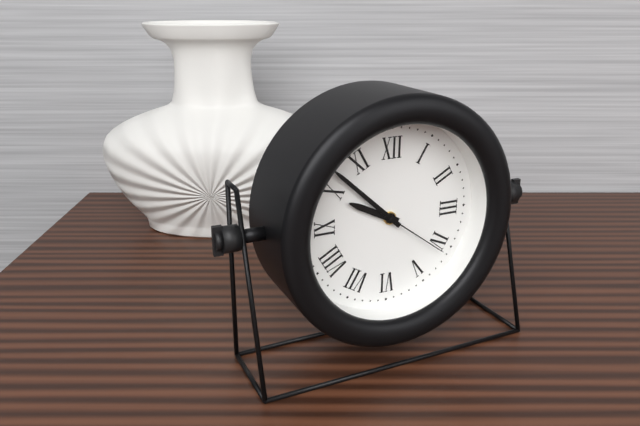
{"hour": 9, "minute": 52, "second": 21}
